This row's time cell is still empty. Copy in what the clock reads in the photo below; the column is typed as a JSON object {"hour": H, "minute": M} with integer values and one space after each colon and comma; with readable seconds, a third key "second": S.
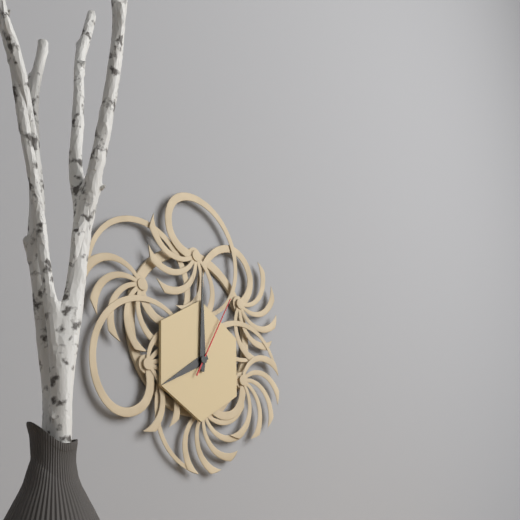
{"hour": 8, "minute": 0, "second": 5}
